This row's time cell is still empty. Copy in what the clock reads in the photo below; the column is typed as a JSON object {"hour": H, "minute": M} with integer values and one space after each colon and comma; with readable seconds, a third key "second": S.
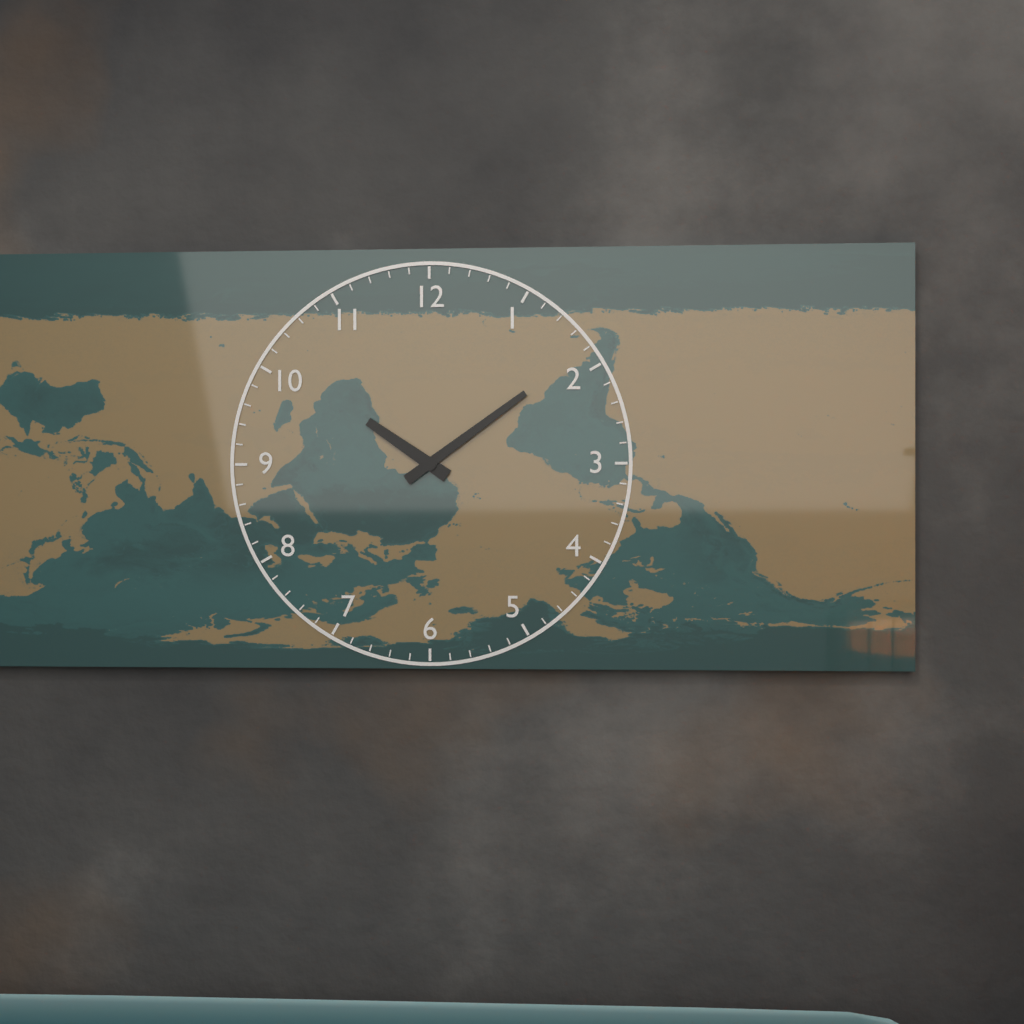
{"hour": 10, "minute": 9}
